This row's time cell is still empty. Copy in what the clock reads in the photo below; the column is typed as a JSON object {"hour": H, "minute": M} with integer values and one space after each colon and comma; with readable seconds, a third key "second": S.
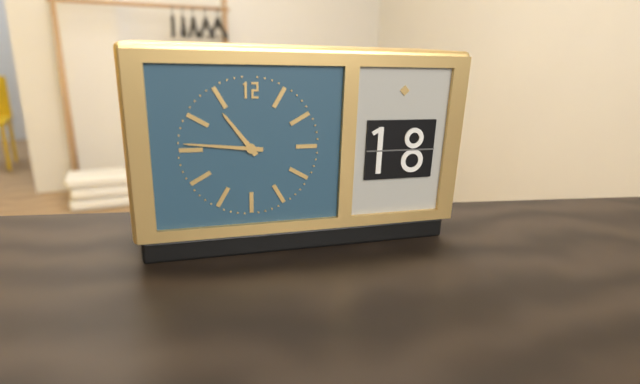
{"hour": 10, "minute": 46}
